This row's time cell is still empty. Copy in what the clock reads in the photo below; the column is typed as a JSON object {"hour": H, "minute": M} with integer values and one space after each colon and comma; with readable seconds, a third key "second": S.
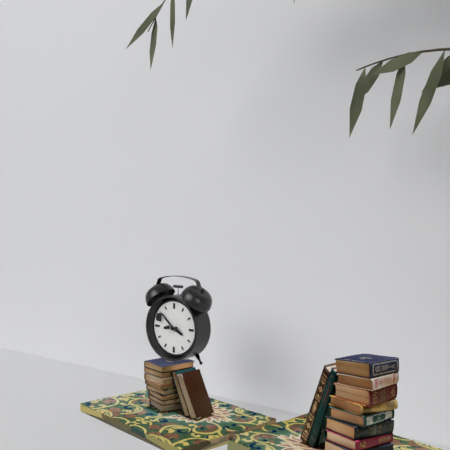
{"hour": 3, "minute": 52}
